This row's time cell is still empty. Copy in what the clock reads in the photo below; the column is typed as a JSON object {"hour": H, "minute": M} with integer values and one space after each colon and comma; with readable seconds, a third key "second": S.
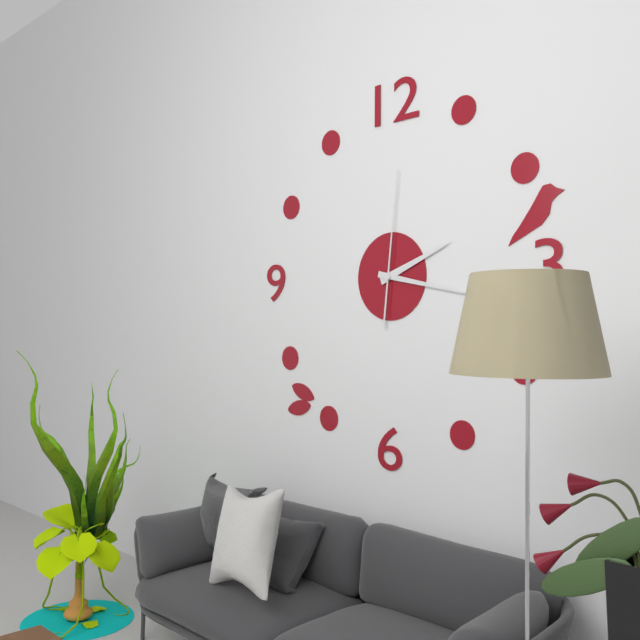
{"hour": 2, "minute": 17, "second": 1}
